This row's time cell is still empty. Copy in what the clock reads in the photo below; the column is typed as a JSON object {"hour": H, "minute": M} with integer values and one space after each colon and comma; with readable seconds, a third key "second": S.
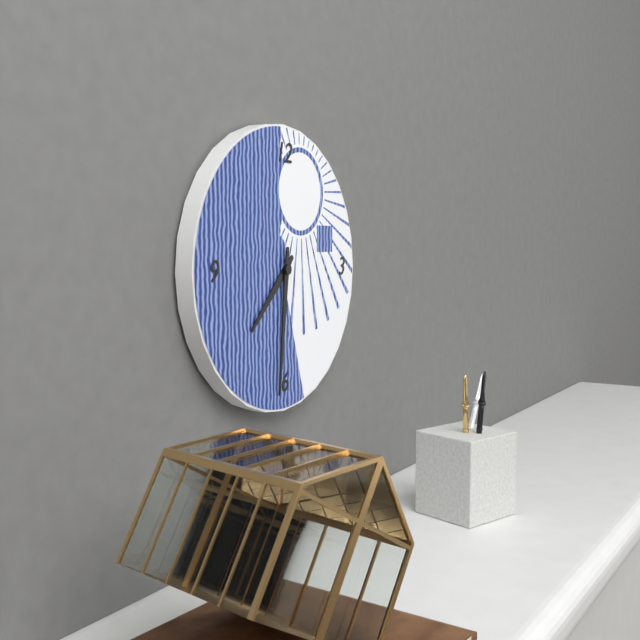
{"hour": 7, "minute": 31}
